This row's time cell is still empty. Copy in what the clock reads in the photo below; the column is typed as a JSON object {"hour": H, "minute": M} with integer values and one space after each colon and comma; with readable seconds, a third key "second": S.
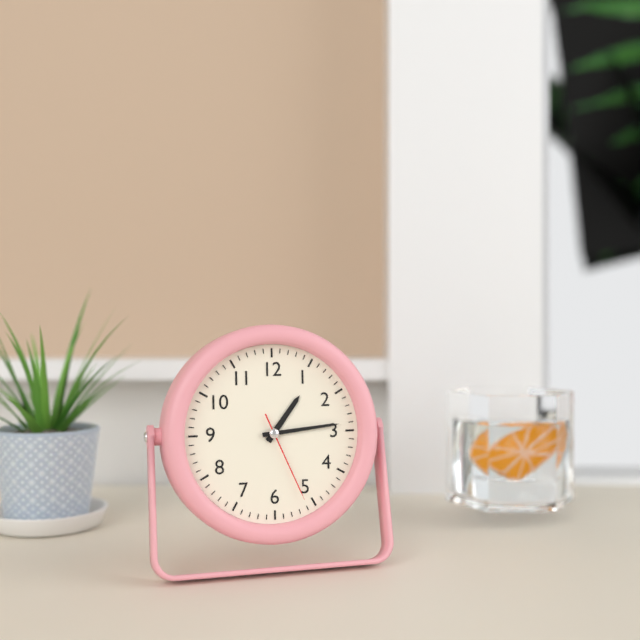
{"hour": 1, "minute": 14, "second": 26}
